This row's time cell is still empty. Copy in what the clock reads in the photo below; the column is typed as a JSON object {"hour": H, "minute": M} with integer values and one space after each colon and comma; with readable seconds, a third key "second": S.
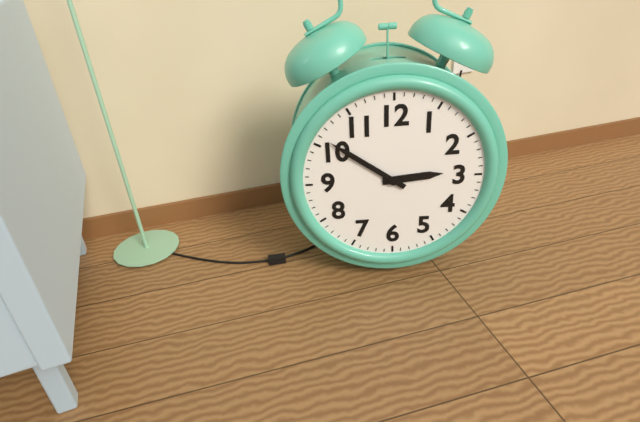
{"hour": 2, "minute": 51}
